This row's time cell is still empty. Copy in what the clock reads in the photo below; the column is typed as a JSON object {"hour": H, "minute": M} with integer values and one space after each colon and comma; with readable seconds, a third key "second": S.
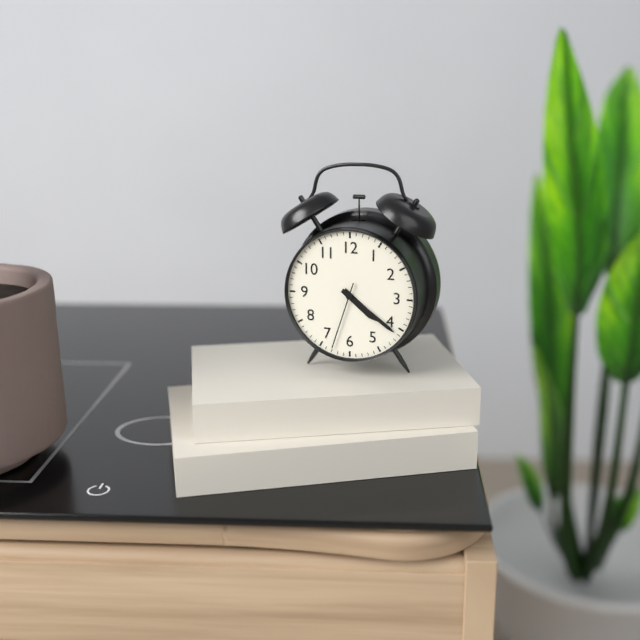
{"hour": 4, "minute": 21, "second": 33}
